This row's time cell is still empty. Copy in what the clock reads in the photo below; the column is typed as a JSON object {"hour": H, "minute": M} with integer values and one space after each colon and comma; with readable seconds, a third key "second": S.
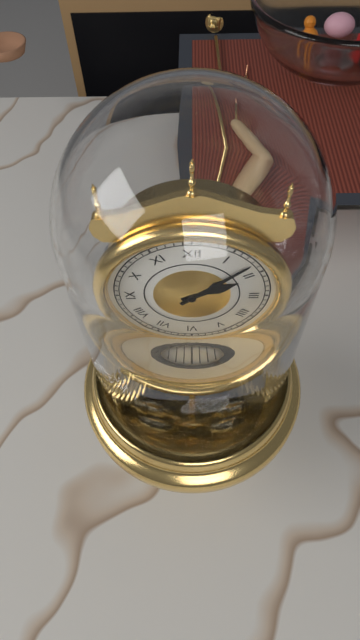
{"hour": 2, "minute": 8}
